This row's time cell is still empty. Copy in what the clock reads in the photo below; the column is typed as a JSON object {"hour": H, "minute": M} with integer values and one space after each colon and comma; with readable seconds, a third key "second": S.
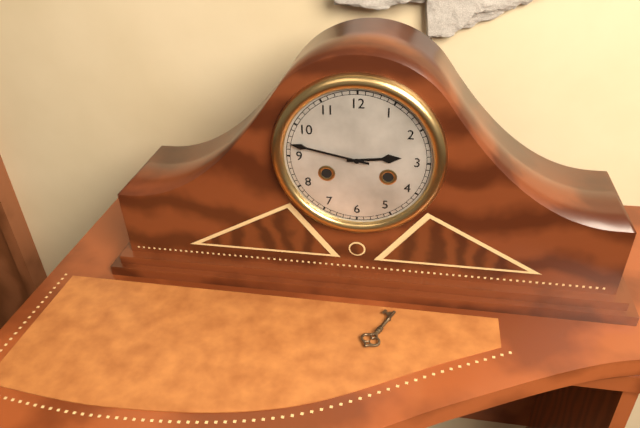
{"hour": 2, "minute": 47}
